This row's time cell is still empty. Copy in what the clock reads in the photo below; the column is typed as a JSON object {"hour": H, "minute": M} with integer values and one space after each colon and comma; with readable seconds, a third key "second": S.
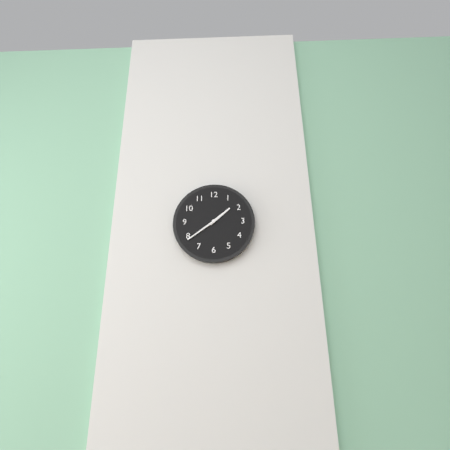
{"hour": 1, "minute": 39}
